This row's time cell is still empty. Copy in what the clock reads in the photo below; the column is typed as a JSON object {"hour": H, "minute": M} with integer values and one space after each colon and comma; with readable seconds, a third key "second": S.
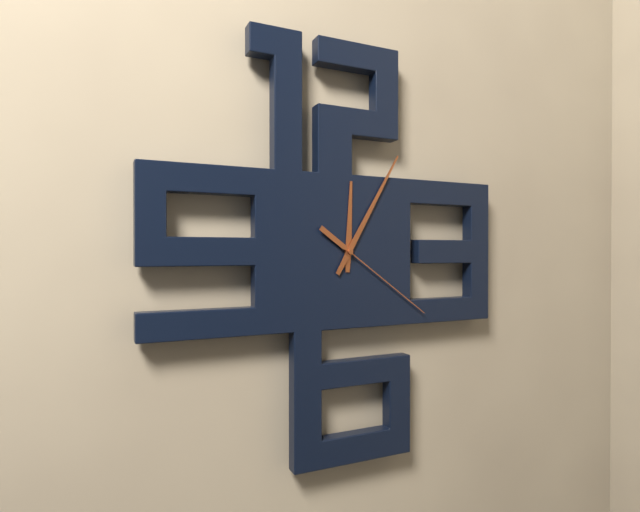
{"hour": 12, "minute": 5, "second": 21}
